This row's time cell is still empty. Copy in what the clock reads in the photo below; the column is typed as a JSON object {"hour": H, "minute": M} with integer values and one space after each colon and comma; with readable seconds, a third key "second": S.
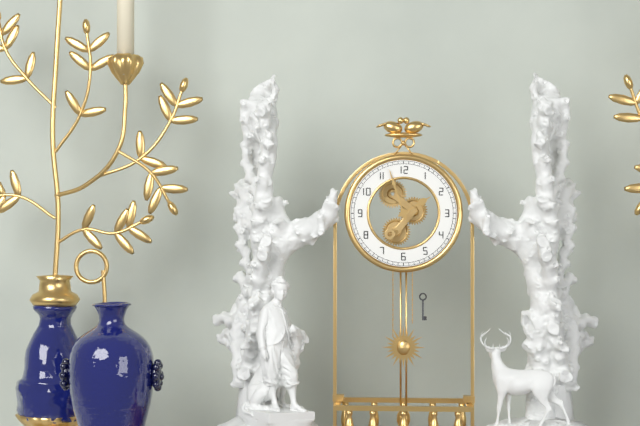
{"hour": 1, "minute": 57}
